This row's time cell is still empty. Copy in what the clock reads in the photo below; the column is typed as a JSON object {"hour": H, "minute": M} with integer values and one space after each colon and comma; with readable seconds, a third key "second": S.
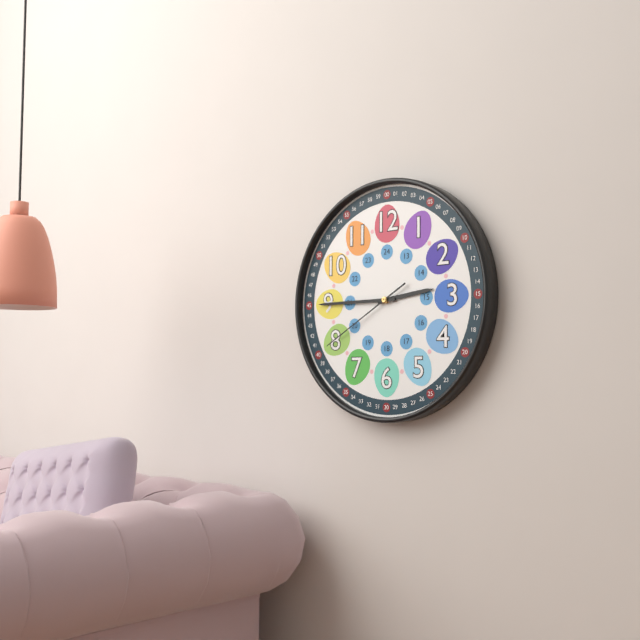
{"hour": 2, "minute": 45, "second": 40}
